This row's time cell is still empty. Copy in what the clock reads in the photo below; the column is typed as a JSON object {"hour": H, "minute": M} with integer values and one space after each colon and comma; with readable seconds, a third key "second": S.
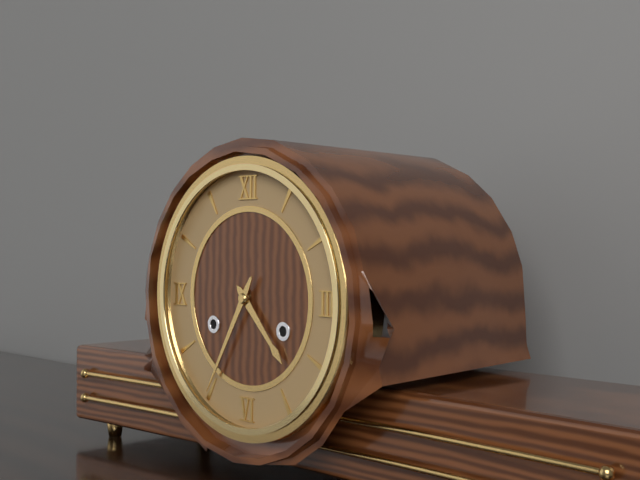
{"hour": 4, "minute": 35}
